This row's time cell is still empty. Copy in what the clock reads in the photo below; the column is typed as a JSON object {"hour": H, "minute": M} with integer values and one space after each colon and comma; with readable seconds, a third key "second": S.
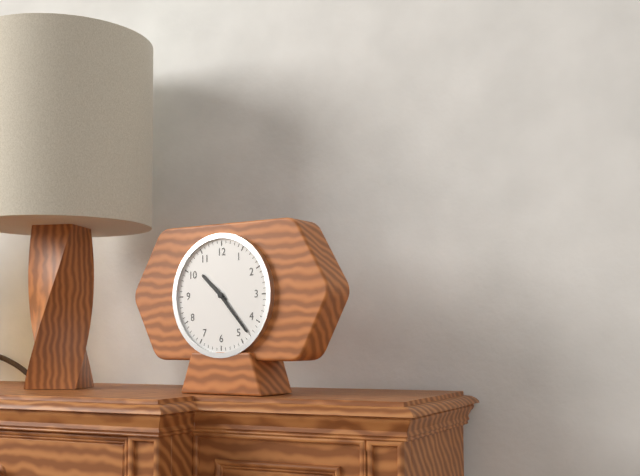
{"hour": 10, "minute": 23}
